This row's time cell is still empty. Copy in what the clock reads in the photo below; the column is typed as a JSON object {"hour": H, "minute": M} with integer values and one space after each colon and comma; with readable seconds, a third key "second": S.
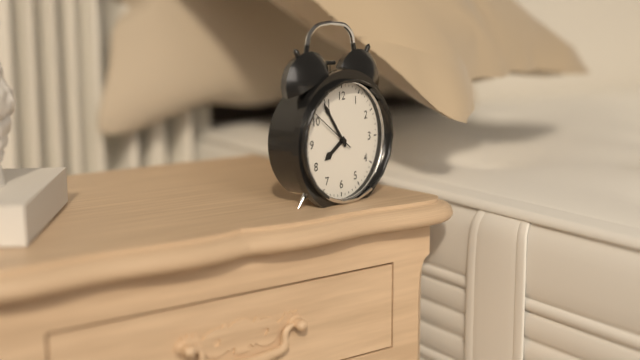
{"hour": 7, "minute": 54}
